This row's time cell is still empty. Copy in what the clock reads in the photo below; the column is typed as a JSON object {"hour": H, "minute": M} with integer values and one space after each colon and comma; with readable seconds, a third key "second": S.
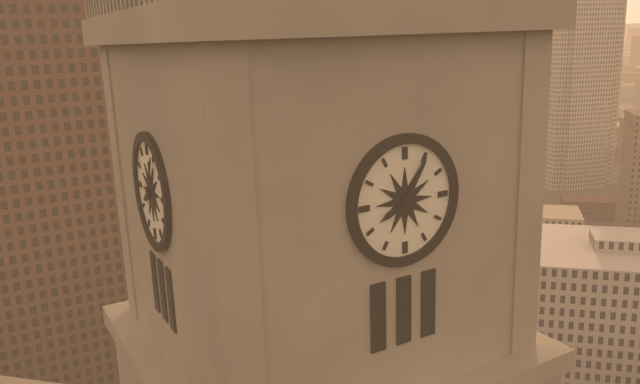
{"hour": 8, "minute": 5}
